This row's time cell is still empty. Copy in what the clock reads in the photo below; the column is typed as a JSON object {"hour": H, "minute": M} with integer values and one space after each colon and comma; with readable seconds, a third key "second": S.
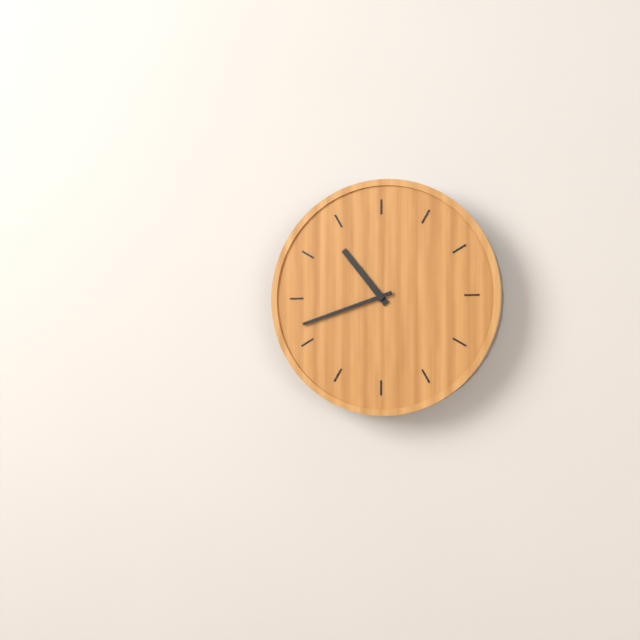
{"hour": 10, "minute": 42}
